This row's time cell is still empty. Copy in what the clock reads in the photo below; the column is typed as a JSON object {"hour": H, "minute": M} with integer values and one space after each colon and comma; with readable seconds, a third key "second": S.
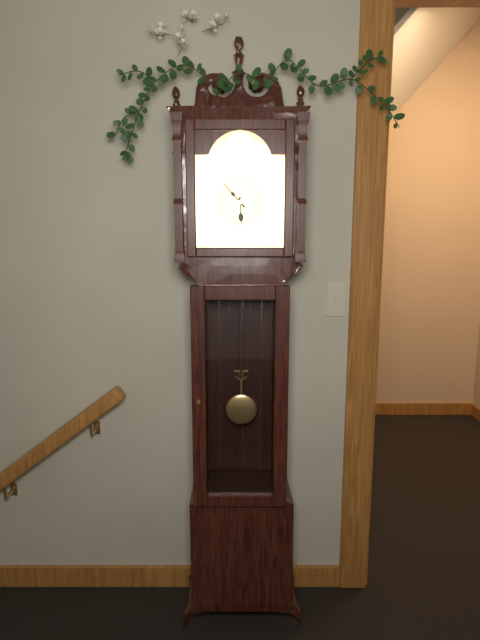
{"hour": 5, "minute": 53}
